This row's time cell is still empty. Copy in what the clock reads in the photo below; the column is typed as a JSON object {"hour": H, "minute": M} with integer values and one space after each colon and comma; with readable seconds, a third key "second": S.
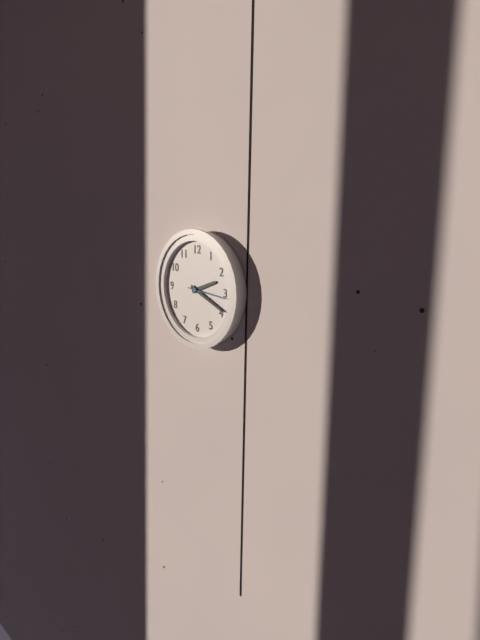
{"hour": 2, "minute": 19}
